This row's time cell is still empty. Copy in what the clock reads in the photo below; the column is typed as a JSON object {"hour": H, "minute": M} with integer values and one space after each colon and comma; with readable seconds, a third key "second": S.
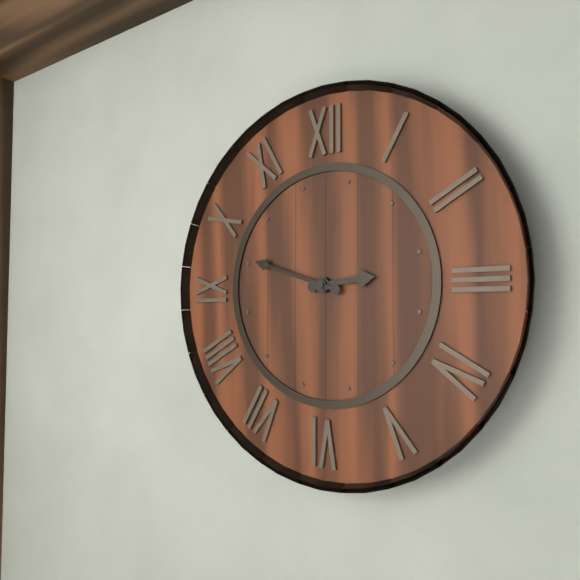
{"hour": 2, "minute": 48}
